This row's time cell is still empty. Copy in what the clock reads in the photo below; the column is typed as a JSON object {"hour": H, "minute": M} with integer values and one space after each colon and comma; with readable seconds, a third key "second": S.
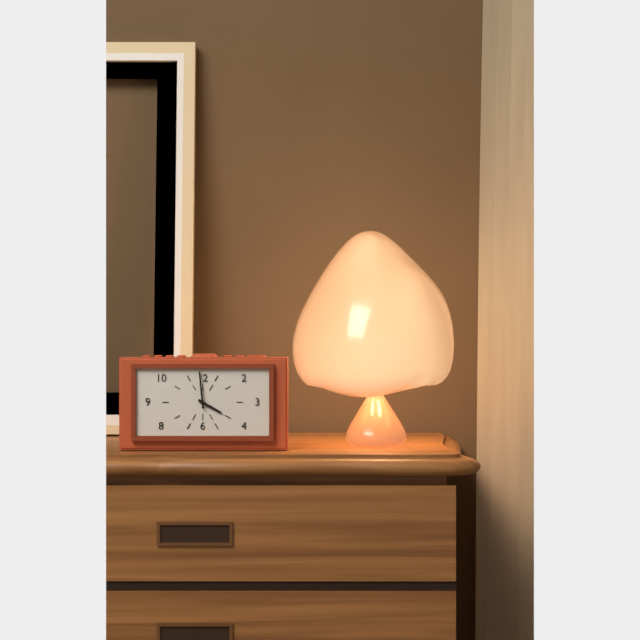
{"hour": 3, "minute": 59}
